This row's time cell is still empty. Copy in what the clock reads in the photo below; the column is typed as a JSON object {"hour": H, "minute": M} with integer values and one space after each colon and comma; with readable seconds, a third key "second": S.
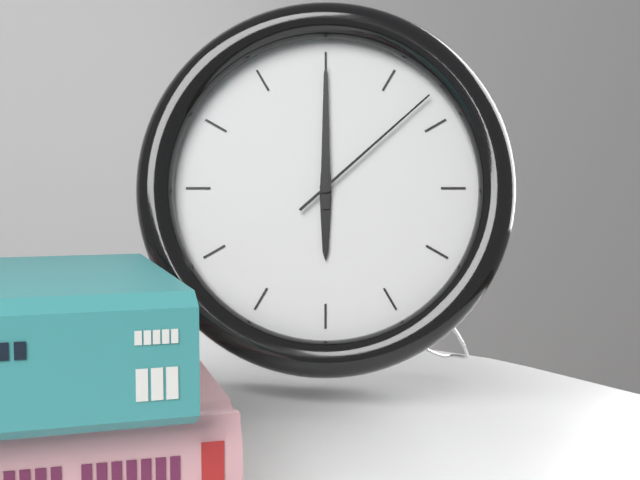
{"hour": 6, "minute": 0, "second": 8}
